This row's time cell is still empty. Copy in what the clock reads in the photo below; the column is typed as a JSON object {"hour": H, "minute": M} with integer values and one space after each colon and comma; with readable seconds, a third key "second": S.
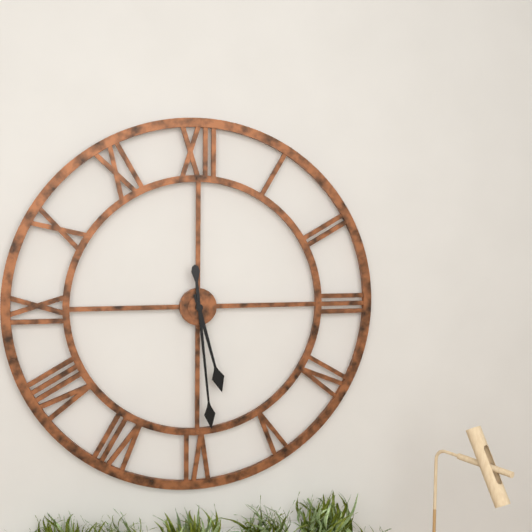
{"hour": 5, "minute": 29}
